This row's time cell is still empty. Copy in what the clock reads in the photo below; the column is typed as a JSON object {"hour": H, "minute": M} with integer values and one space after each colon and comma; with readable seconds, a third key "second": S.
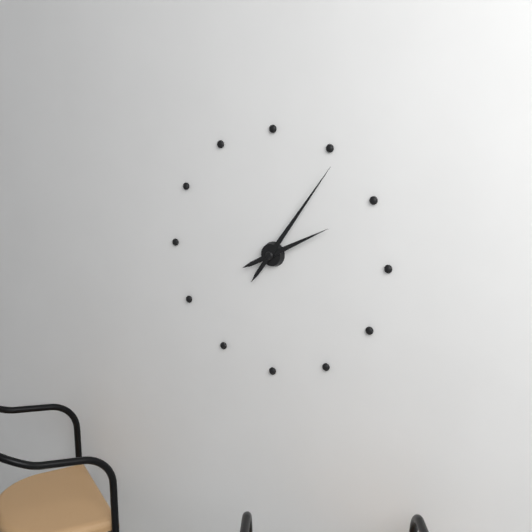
{"hour": 2, "minute": 6}
